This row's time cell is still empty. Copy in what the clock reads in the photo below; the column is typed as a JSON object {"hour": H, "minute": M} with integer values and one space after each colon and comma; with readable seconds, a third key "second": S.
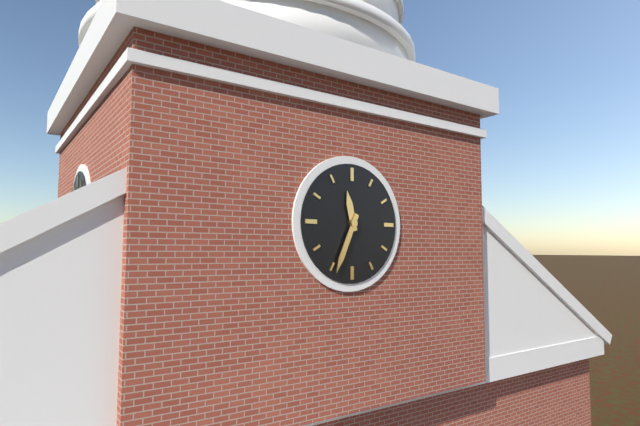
{"hour": 11, "minute": 34}
